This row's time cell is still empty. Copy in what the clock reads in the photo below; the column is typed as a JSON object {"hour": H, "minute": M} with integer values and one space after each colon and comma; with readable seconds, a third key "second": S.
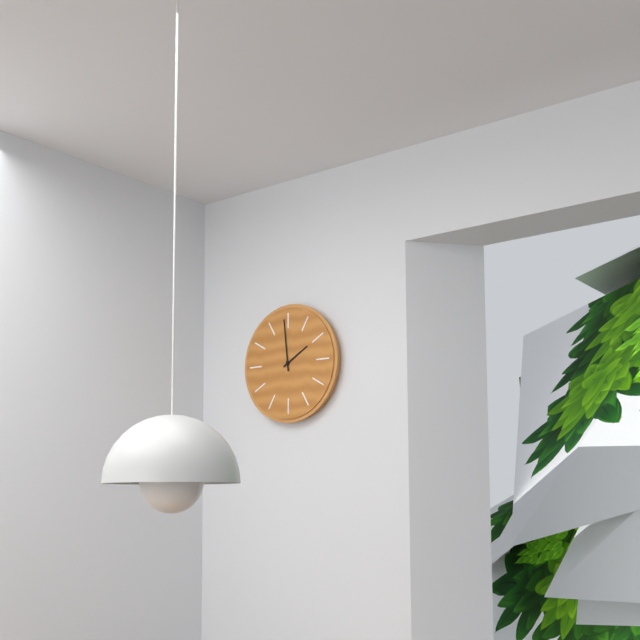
{"hour": 1, "minute": 59}
